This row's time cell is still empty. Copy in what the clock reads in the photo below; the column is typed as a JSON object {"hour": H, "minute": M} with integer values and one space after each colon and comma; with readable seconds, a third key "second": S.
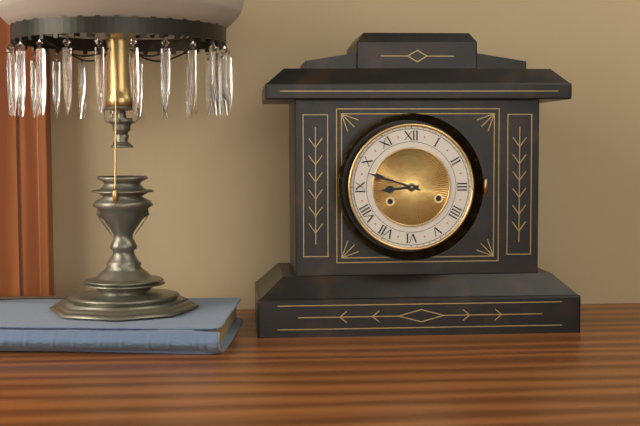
{"hour": 8, "minute": 48}
